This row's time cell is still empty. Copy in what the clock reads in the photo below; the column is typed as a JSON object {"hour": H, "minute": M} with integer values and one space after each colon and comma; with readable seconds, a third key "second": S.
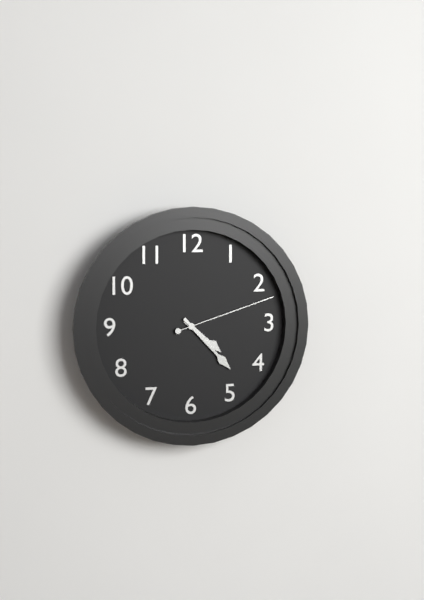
{"hour": 4, "minute": 23, "second": 12}
